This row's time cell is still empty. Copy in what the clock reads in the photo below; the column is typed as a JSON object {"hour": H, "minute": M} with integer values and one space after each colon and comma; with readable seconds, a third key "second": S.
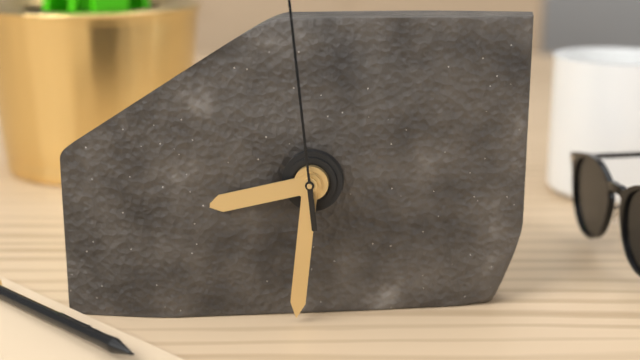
{"hour": 8, "minute": 31}
